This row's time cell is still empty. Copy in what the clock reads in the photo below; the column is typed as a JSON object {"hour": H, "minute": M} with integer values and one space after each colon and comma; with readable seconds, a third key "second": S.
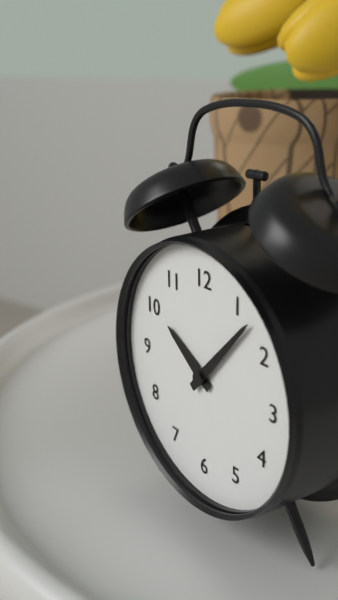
{"hour": 10, "minute": 7}
